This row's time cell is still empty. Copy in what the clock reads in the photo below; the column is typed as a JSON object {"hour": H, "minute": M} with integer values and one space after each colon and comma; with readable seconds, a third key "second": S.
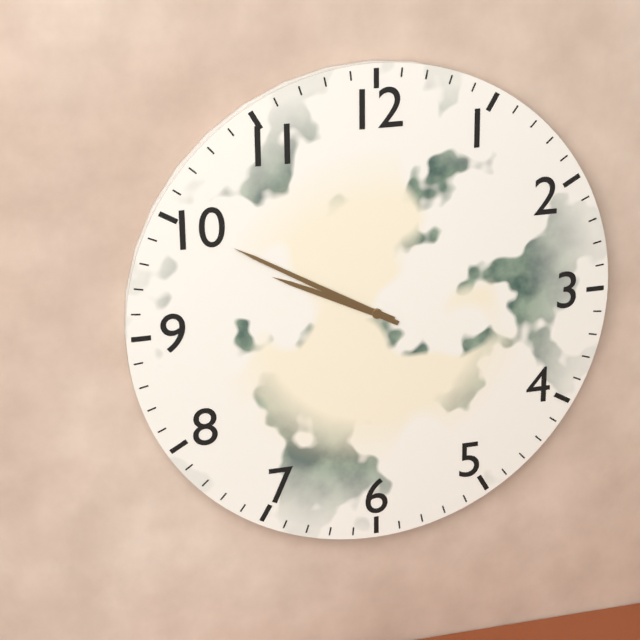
{"hour": 9, "minute": 50}
